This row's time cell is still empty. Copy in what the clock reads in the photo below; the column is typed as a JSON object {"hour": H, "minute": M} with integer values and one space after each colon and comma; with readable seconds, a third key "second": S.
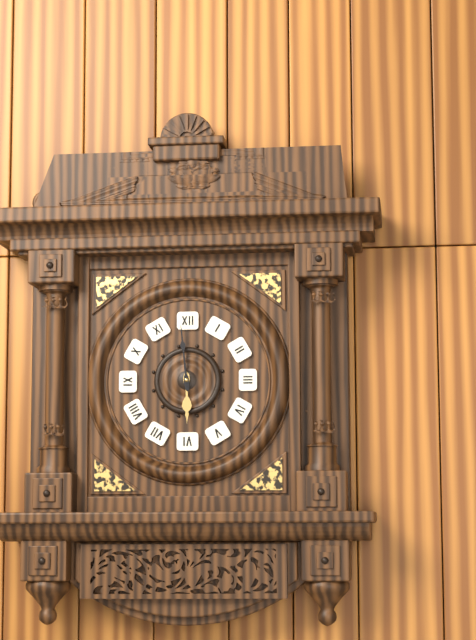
{"hour": 5, "minute": 59}
